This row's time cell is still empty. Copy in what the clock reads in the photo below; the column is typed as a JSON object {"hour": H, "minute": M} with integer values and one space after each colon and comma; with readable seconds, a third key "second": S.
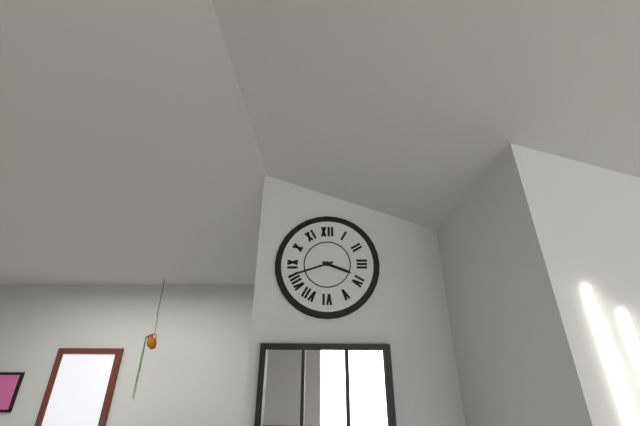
{"hour": 3, "minute": 42}
